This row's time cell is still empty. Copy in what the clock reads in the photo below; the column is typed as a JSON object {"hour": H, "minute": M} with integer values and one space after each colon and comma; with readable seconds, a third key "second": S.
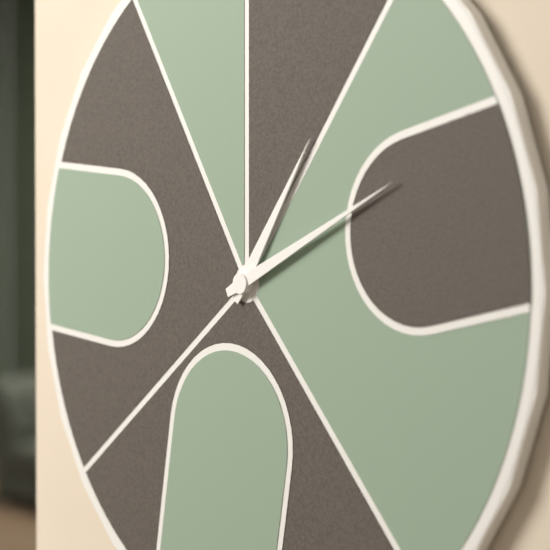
{"hour": 1, "minute": 11}
